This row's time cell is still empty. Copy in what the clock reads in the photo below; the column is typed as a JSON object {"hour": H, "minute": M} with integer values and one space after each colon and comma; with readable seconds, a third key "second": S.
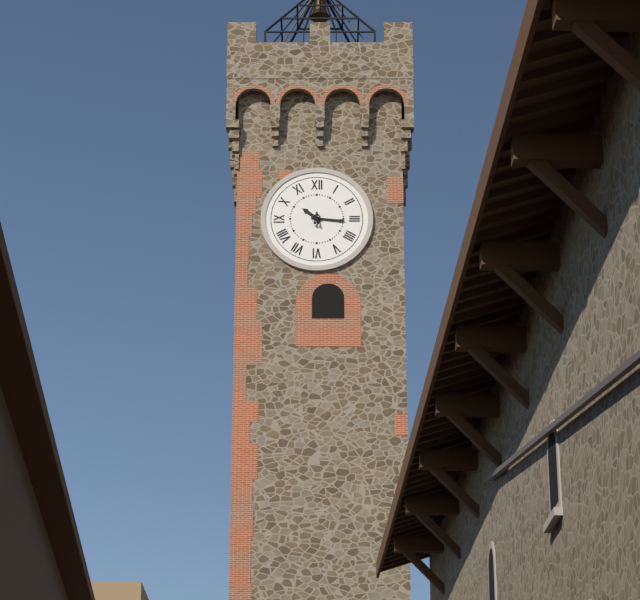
{"hour": 10, "minute": 16}
